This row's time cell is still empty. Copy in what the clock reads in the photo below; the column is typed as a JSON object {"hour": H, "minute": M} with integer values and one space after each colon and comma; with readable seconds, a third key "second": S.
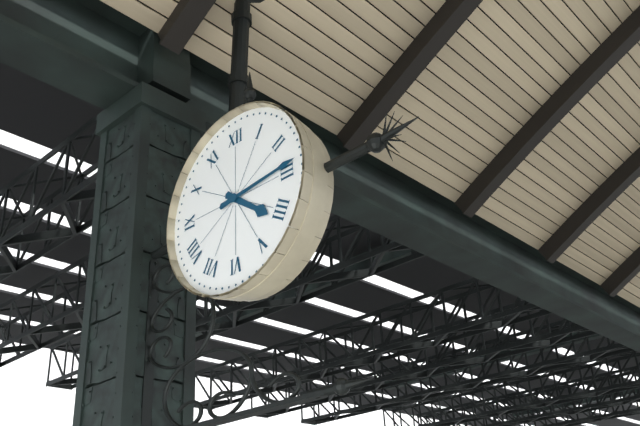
{"hour": 4, "minute": 14}
